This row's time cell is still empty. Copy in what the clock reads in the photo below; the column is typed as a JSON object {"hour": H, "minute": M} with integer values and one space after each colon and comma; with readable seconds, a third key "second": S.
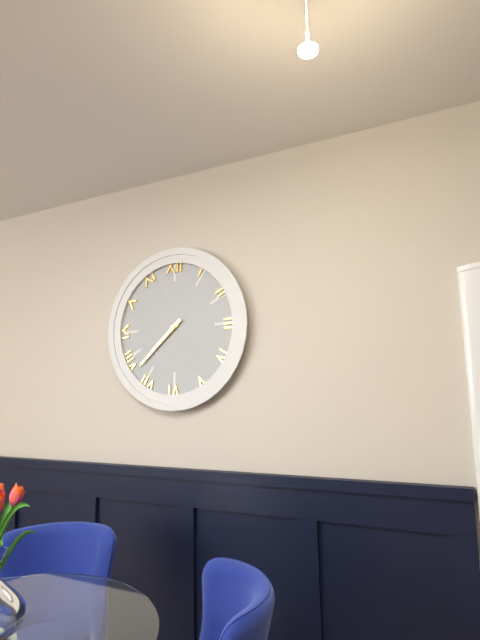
{"hour": 7, "minute": 38}
